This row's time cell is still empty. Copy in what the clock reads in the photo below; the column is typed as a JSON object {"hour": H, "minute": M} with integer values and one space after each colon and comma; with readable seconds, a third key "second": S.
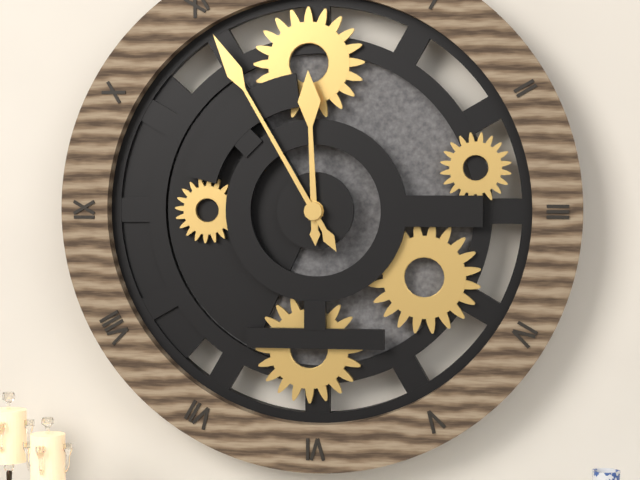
{"hour": 11, "minute": 55}
